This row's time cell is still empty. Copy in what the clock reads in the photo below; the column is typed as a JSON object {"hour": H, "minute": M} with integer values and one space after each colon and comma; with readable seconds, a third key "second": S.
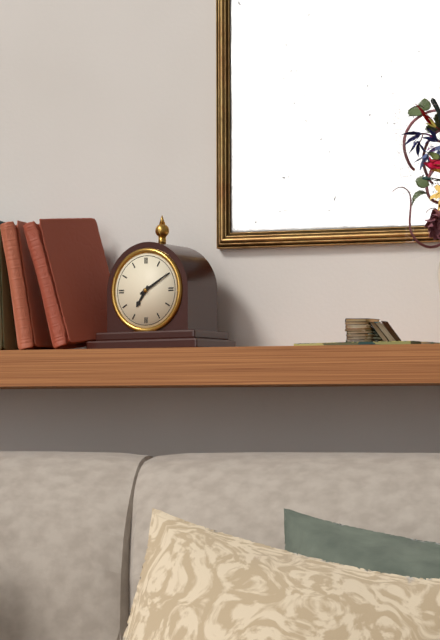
{"hour": 7, "minute": 10}
